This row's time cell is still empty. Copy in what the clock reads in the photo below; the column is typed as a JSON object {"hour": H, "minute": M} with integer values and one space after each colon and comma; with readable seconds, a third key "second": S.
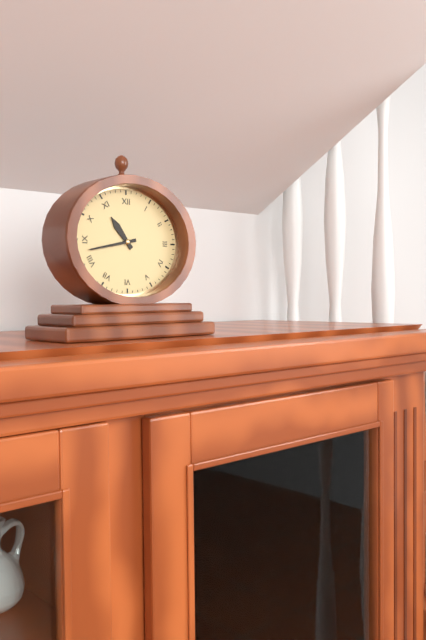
{"hour": 10, "minute": 43}
